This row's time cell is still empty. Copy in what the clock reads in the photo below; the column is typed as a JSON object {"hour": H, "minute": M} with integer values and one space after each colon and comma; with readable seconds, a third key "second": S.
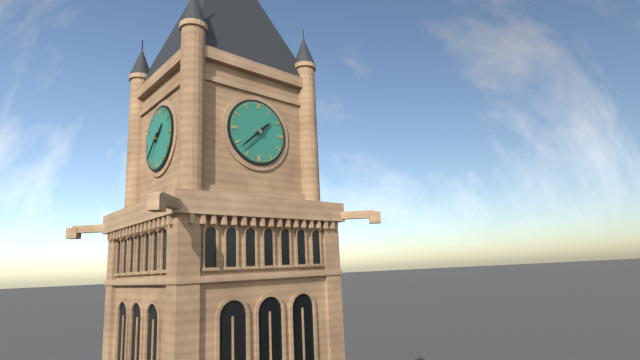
{"hour": 1, "minute": 38}
